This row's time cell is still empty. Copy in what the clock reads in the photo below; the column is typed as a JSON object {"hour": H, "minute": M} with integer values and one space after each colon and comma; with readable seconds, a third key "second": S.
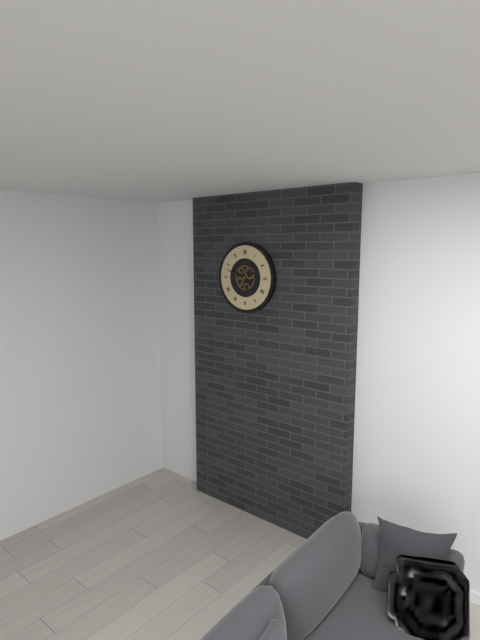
{"hour": 9, "minute": 48}
